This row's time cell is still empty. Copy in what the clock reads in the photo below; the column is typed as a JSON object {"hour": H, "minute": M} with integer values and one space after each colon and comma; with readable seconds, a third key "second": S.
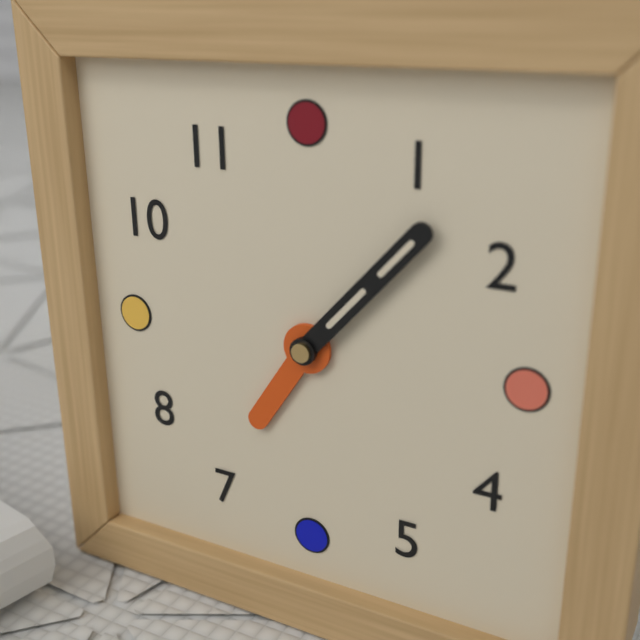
{"hour": 7, "minute": 7}
